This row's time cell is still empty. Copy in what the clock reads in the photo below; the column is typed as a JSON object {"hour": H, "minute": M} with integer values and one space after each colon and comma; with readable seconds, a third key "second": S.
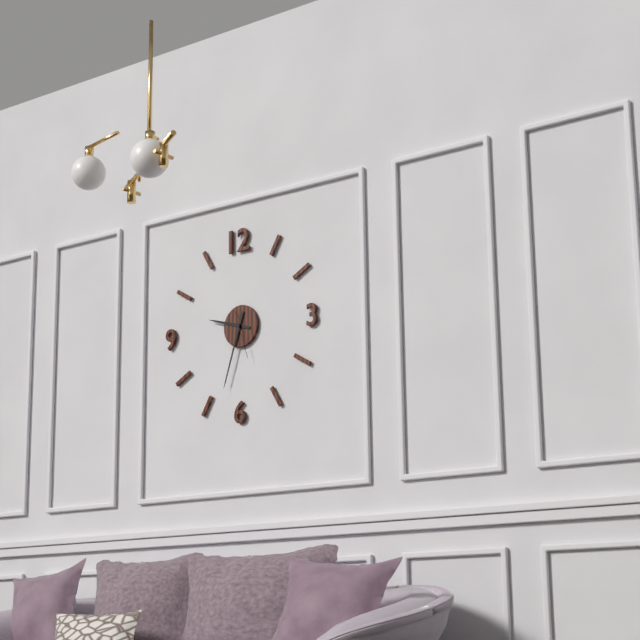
{"hour": 9, "minute": 33}
